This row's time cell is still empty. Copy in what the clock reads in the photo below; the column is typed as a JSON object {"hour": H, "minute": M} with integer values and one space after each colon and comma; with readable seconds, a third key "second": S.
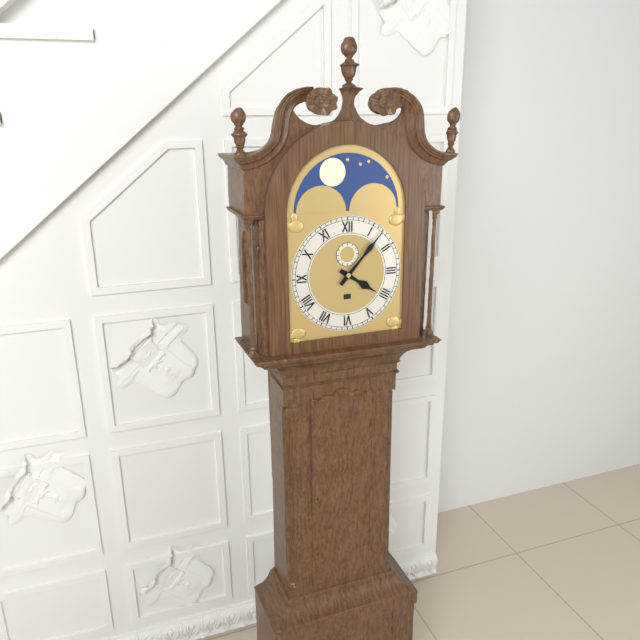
{"hour": 4, "minute": 7}
